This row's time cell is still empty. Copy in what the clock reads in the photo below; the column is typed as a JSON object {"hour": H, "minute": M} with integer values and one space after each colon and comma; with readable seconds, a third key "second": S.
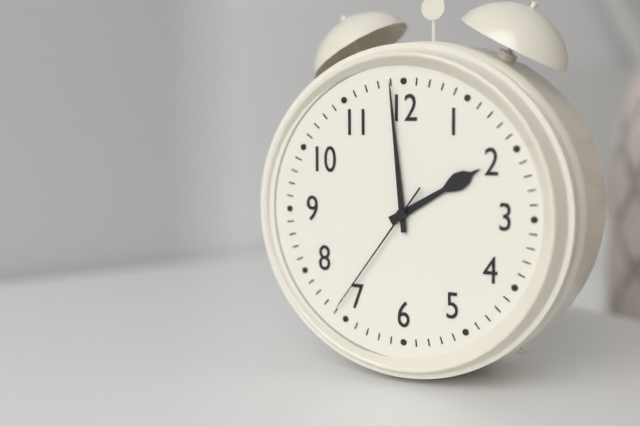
{"hour": 1, "minute": 59, "second": 36}
